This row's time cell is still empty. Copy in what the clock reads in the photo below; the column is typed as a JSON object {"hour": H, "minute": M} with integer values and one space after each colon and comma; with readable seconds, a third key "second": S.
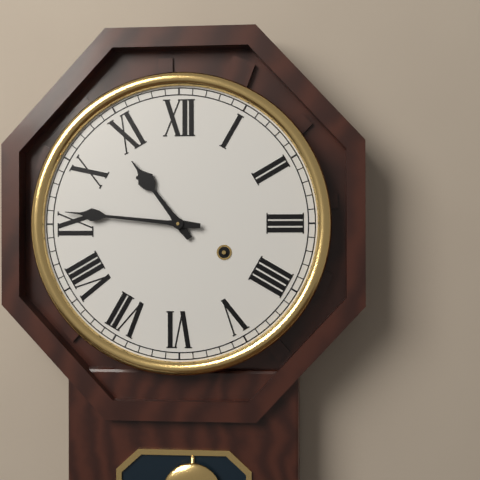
{"hour": 10, "minute": 46}
